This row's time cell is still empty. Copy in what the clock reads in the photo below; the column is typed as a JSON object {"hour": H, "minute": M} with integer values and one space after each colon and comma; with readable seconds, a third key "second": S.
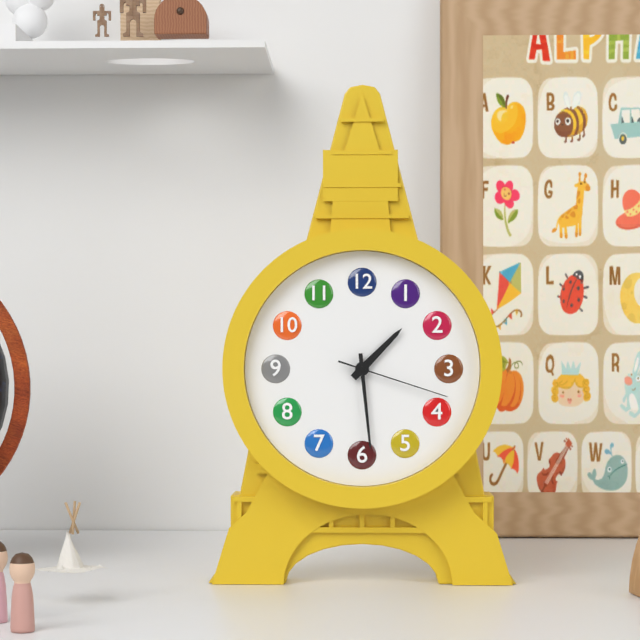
{"hour": 1, "minute": 29, "second": 18}
